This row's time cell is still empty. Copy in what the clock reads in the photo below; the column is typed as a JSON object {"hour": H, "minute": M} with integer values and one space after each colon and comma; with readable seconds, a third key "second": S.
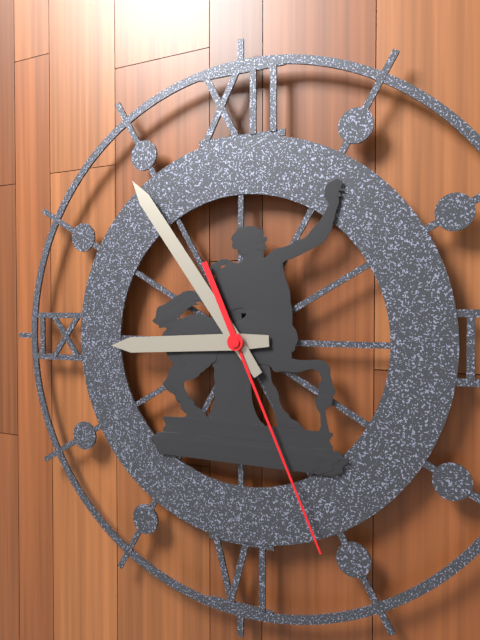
{"hour": 8, "minute": 54, "second": 26}
